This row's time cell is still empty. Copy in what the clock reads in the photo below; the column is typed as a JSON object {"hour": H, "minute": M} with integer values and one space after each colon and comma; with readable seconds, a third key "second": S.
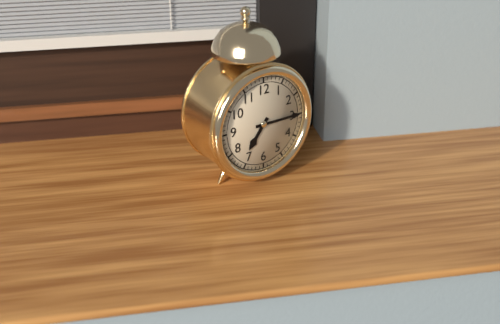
{"hour": 7, "minute": 15}
